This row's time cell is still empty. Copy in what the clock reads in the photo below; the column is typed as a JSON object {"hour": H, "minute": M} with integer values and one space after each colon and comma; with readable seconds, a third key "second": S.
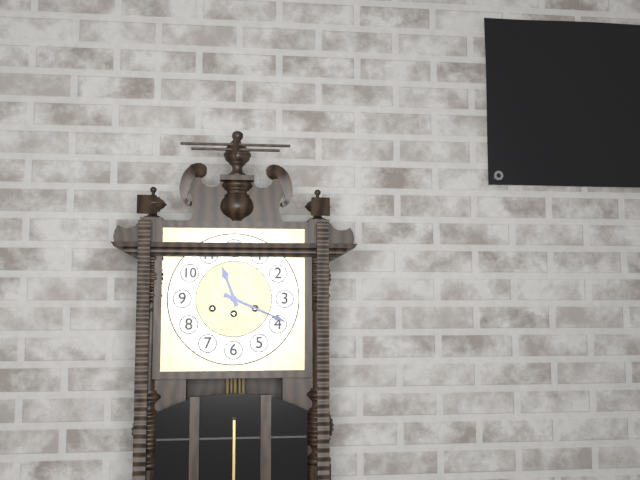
{"hour": 11, "minute": 19}
